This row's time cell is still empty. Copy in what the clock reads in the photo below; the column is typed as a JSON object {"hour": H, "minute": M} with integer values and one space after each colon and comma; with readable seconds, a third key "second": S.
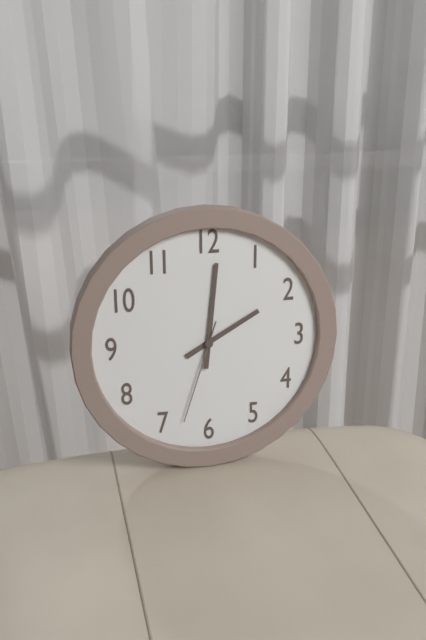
{"hour": 2, "minute": 1, "second": 33}
